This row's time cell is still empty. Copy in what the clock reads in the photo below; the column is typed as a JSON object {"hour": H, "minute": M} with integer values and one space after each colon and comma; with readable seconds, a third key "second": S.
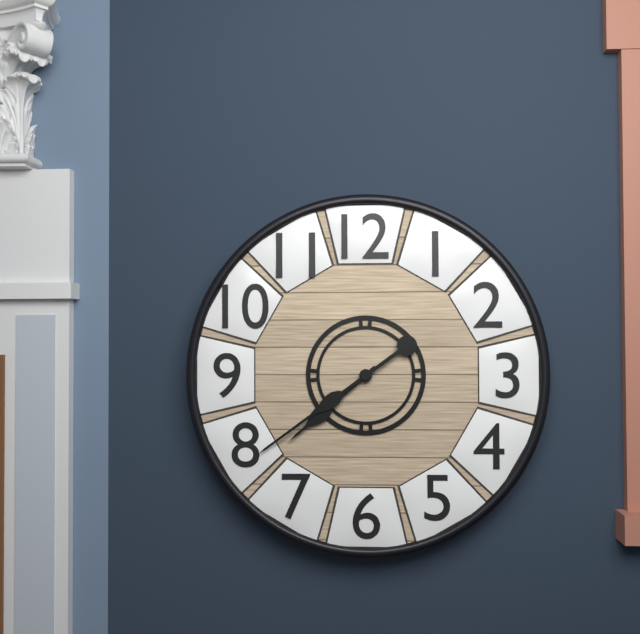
{"hour": 7, "minute": 39}
